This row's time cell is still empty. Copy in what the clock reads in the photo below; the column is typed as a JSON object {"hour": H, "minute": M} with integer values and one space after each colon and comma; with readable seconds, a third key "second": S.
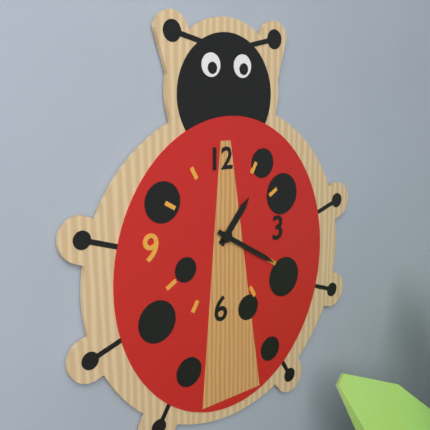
{"hour": 1, "minute": 20}
